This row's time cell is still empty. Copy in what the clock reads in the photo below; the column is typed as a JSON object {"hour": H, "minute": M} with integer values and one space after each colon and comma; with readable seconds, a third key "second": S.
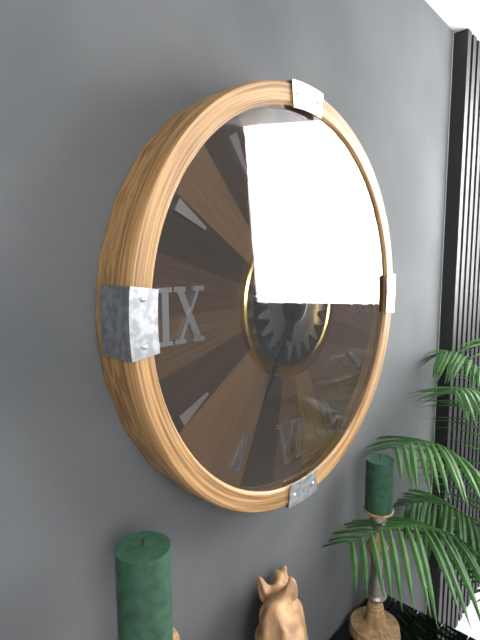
{"hour": 12, "minute": 35}
